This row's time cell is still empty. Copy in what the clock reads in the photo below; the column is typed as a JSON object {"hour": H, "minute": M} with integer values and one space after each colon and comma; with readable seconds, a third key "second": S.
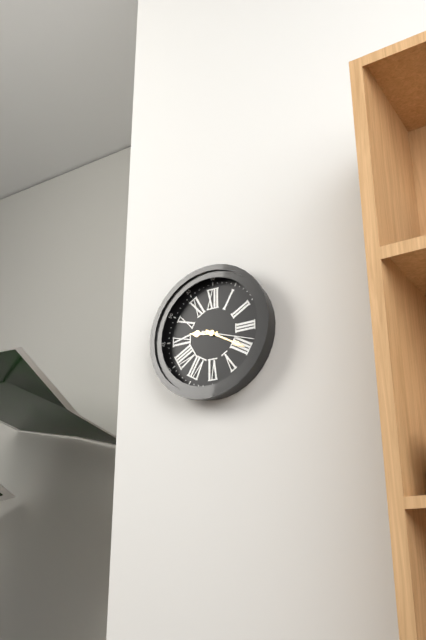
{"hour": 9, "minute": 20, "second": 18}
